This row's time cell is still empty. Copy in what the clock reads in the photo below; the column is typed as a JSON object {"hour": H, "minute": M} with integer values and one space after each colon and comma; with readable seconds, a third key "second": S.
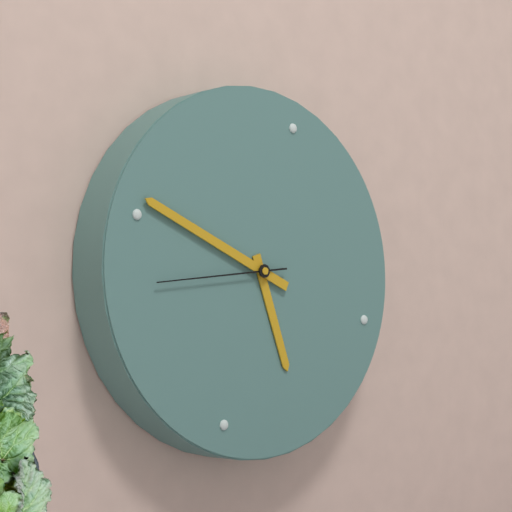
{"hour": 4, "minute": 46, "second": 41}
